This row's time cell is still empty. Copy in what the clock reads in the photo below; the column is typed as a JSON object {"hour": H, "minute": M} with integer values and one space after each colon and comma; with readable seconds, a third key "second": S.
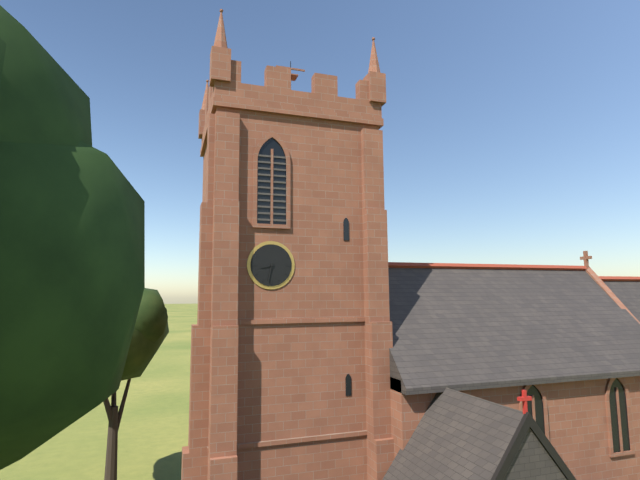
{"hour": 8, "minute": 32}
